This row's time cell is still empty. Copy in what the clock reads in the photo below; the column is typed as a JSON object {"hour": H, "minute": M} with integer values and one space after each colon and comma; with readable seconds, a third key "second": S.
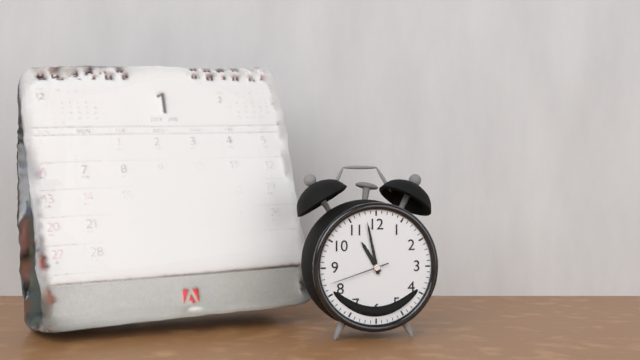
{"hour": 10, "minute": 58, "second": 42}
